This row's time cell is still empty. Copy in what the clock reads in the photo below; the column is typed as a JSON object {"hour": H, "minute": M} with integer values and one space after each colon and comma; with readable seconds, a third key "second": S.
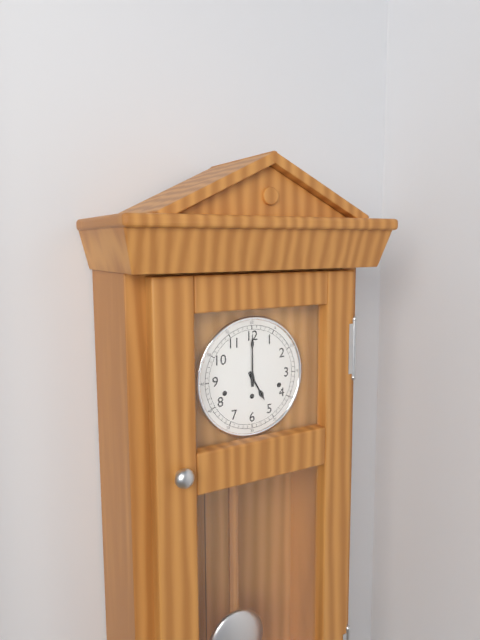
{"hour": 5, "minute": 0}
